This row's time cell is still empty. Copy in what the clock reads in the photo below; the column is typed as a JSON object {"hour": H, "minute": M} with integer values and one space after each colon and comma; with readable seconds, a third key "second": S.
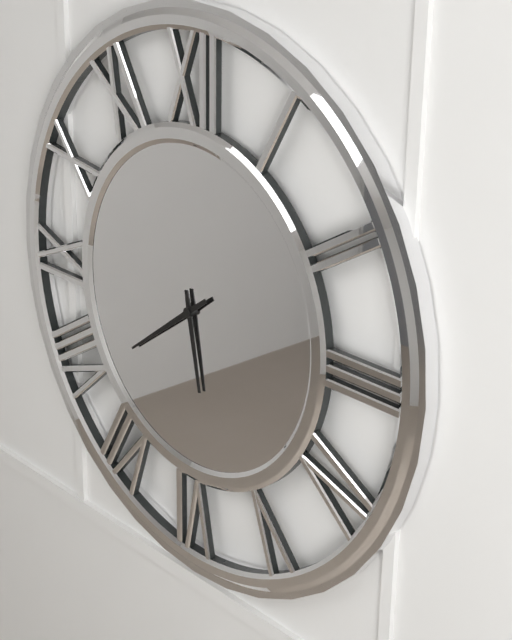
{"hour": 5, "minute": 39}
